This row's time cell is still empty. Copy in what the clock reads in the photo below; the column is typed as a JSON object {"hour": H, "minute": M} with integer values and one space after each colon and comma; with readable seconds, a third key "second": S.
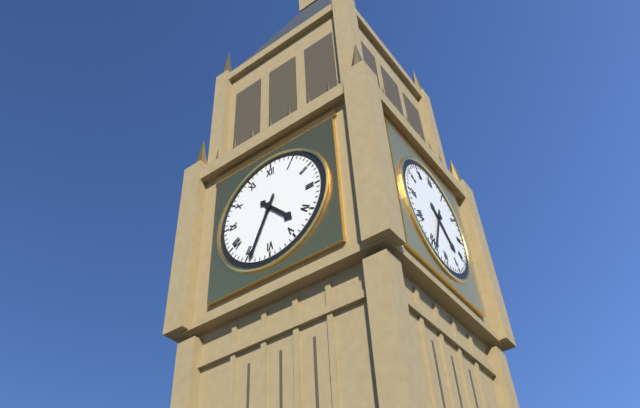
{"hour": 4, "minute": 34}
